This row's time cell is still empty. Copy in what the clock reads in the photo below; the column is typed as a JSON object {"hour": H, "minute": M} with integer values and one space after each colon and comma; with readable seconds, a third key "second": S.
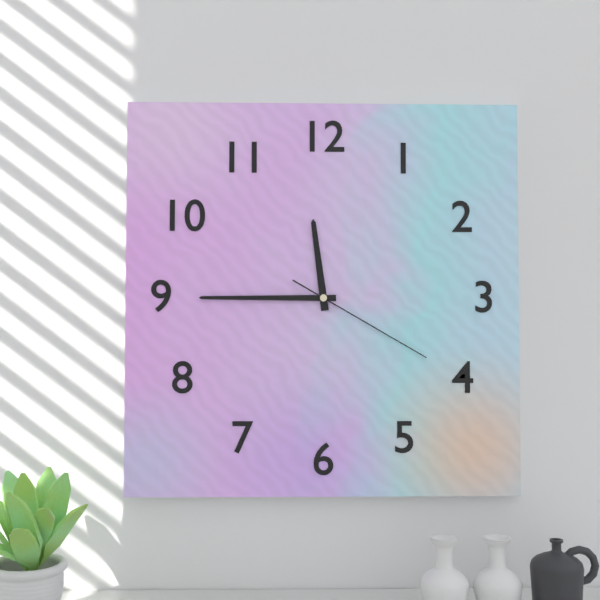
{"hour": 11, "minute": 45, "second": 20}
